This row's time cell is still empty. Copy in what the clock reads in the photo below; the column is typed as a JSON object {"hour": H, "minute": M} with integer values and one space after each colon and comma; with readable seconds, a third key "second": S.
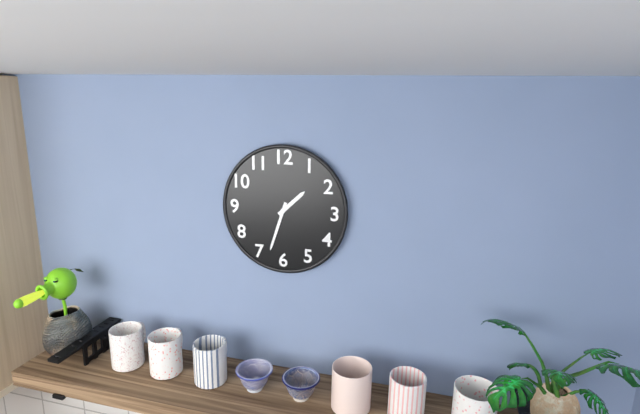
{"hour": 1, "minute": 33}
